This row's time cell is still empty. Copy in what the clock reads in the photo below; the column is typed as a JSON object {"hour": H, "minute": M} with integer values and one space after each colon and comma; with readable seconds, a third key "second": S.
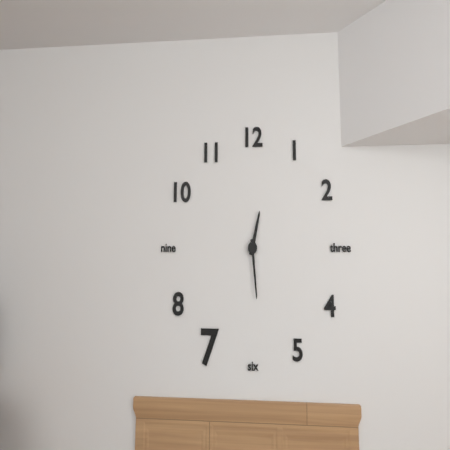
{"hour": 12, "minute": 29}
